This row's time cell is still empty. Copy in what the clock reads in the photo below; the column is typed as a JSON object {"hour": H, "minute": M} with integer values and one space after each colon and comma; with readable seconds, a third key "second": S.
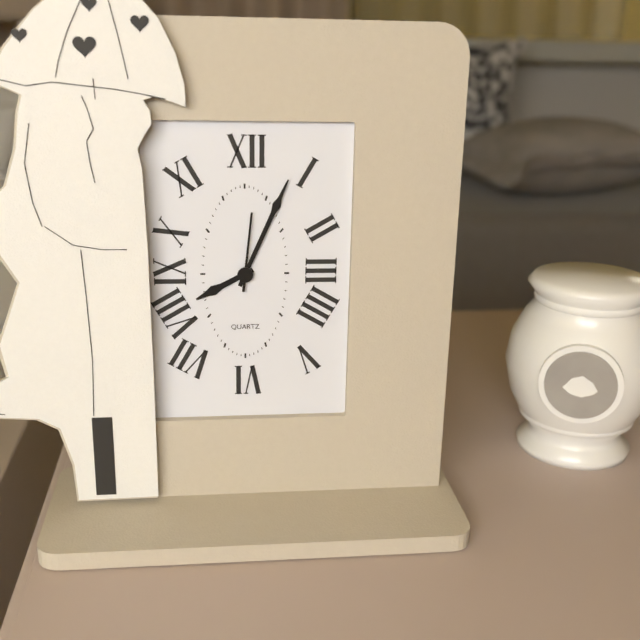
{"hour": 8, "minute": 4, "second": 1}
